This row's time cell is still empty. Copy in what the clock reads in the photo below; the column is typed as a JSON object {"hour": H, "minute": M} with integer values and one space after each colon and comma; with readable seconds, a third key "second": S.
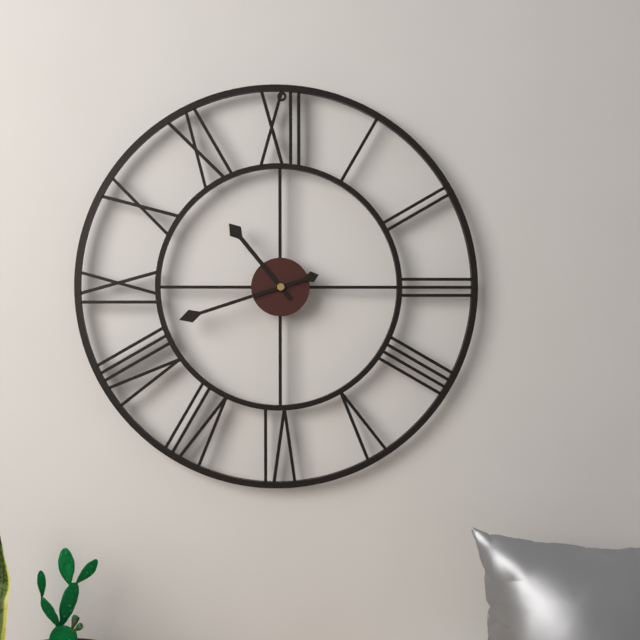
{"hour": 10, "minute": 42}
